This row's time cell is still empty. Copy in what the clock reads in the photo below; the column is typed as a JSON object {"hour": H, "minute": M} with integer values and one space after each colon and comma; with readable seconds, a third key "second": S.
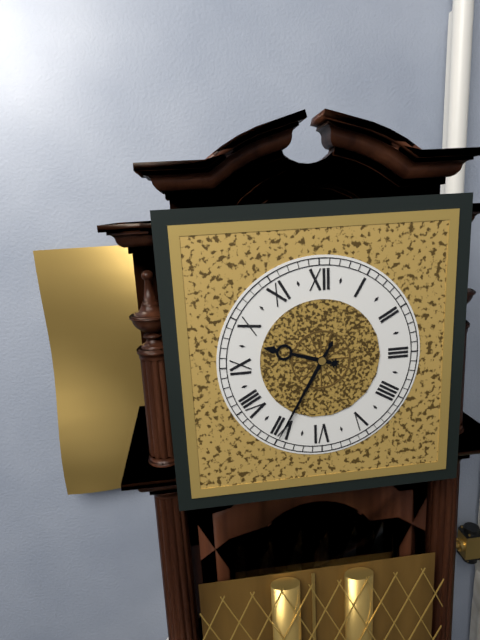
{"hour": 9, "minute": 35}
